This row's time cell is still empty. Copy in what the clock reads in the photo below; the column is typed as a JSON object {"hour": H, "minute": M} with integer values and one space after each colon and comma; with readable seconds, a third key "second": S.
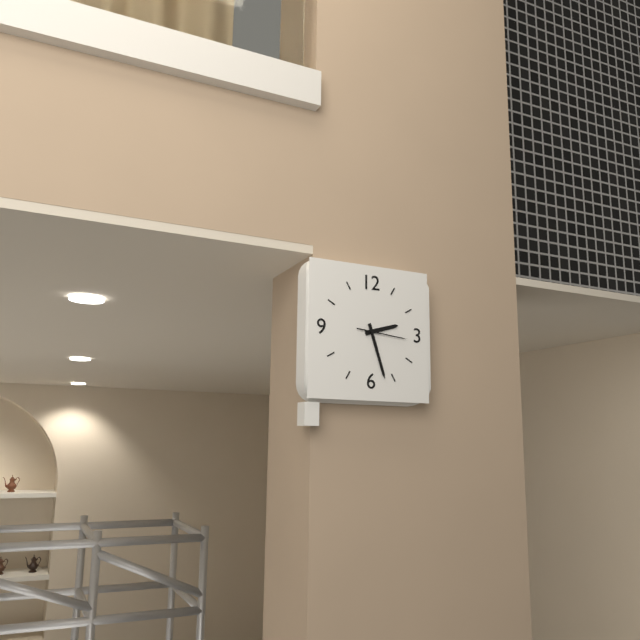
{"hour": 2, "minute": 27}
